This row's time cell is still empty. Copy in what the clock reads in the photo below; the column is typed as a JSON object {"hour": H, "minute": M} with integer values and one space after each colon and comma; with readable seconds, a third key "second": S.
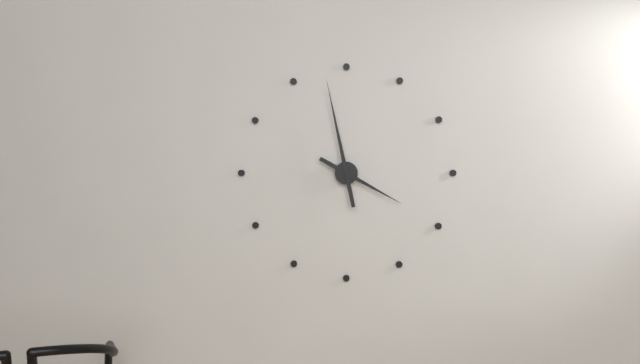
{"hour": 3, "minute": 58}
